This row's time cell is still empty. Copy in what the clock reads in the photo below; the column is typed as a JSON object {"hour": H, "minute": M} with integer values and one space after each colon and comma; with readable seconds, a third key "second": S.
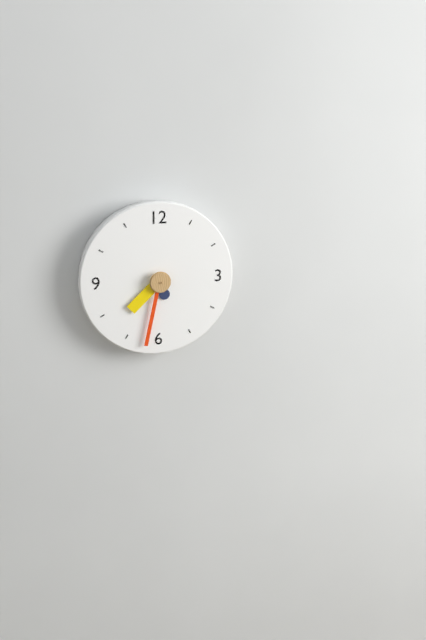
{"hour": 7, "minute": 32}
